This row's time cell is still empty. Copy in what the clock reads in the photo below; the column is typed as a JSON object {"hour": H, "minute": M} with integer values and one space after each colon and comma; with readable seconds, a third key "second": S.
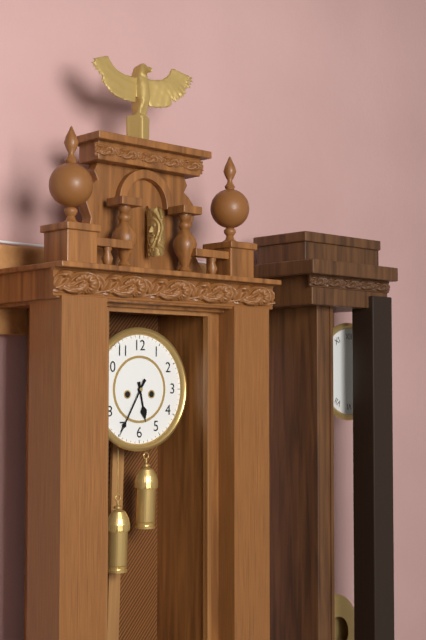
{"hour": 5, "minute": 35}
